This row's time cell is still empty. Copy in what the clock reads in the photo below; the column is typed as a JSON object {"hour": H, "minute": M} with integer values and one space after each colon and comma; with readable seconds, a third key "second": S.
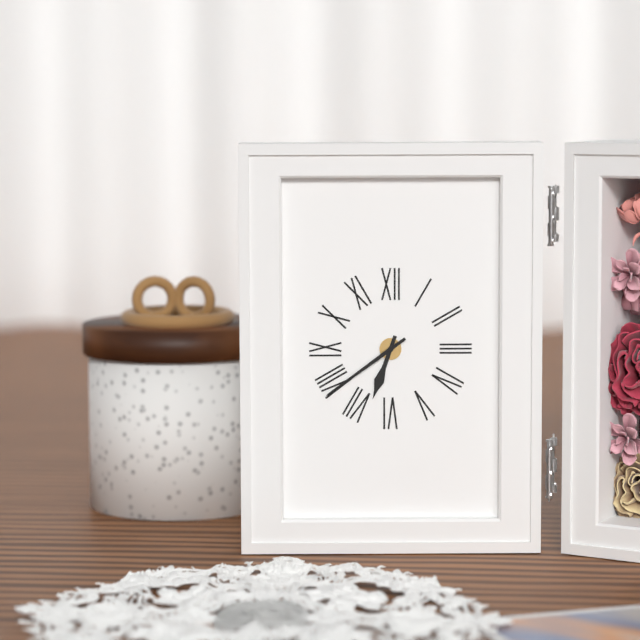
{"hour": 6, "minute": 39}
